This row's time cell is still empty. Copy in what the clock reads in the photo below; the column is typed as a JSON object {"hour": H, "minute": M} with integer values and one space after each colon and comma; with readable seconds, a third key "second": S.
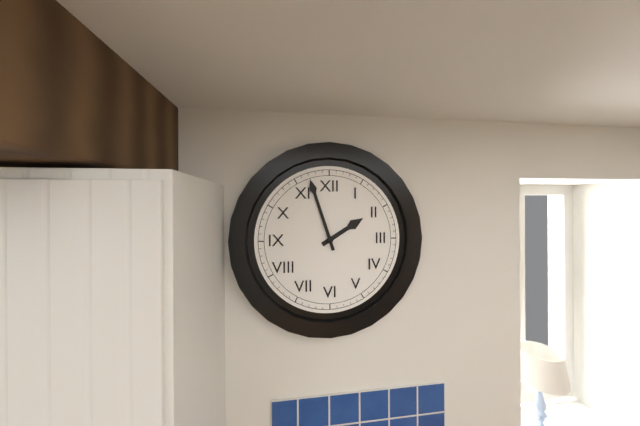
{"hour": 1, "minute": 57}
